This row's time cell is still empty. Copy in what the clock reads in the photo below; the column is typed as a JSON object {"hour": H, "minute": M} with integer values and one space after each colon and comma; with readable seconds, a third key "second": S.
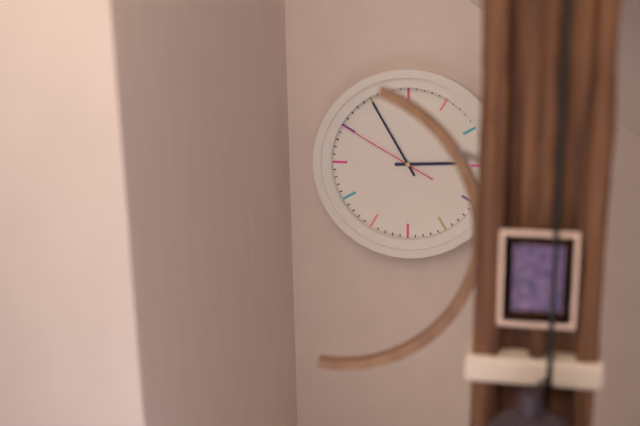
{"hour": 2, "minute": 55, "second": 50}
